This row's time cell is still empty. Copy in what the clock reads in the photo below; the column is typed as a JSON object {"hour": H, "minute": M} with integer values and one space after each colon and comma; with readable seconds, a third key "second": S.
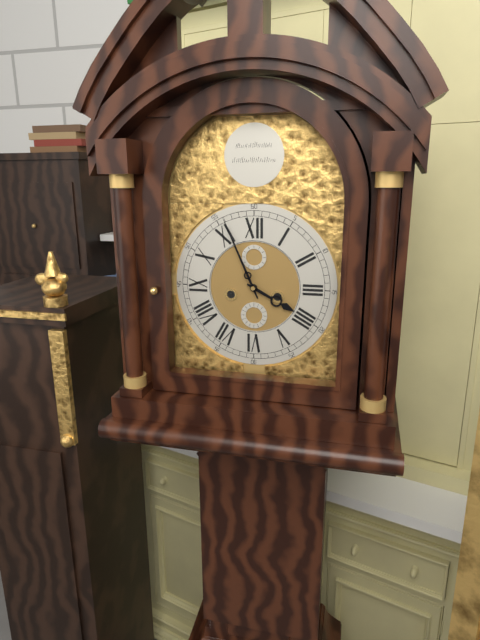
{"hour": 3, "minute": 56}
